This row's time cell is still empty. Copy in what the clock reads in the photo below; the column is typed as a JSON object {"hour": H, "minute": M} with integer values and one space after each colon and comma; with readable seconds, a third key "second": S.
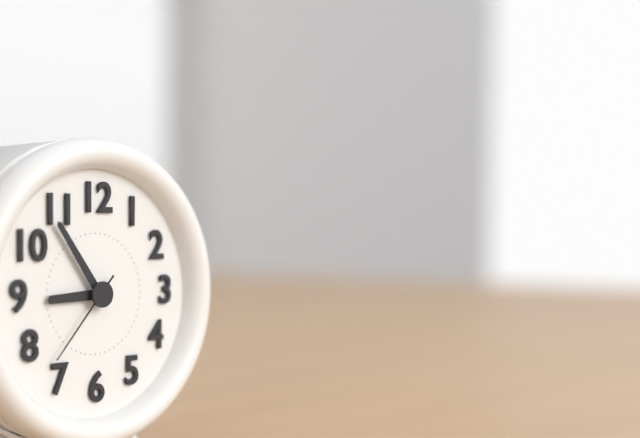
{"hour": 8, "minute": 54, "second": 37}
